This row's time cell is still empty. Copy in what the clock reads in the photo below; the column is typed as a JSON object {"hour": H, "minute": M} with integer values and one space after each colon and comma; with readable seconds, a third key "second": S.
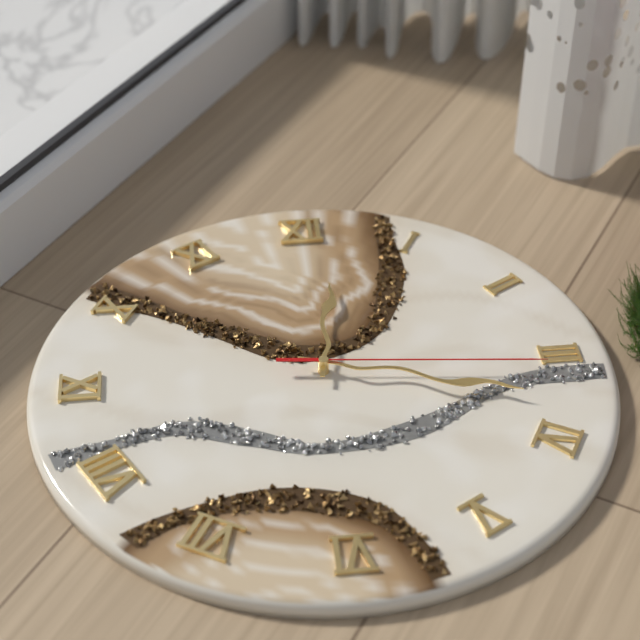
{"hour": 12, "minute": 18, "second": 16}
